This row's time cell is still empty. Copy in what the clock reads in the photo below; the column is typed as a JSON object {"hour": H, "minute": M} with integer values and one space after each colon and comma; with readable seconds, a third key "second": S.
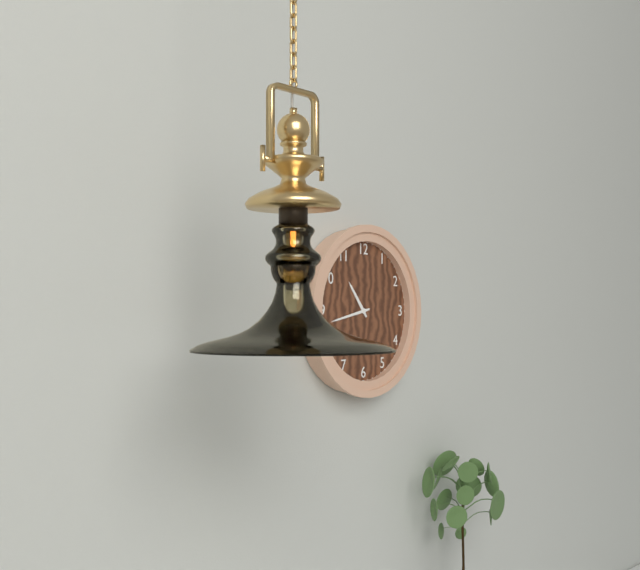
{"hour": 10, "minute": 43}
